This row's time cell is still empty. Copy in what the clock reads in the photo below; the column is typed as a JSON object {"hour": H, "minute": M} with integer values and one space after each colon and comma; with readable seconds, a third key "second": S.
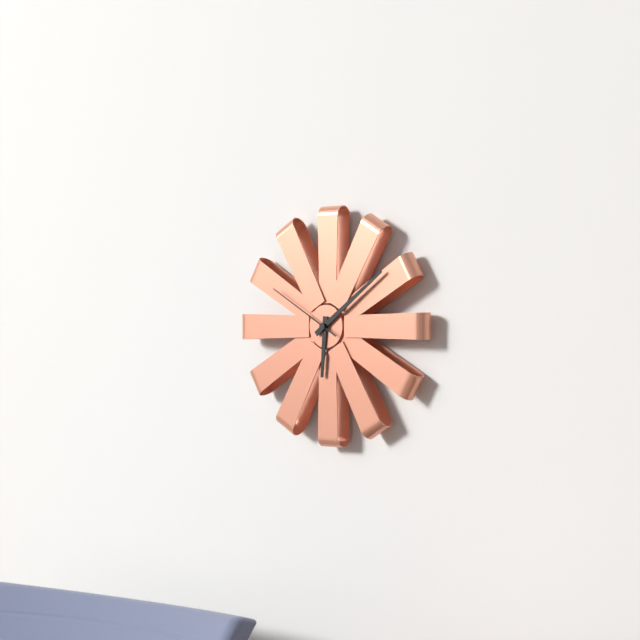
{"hour": 6, "minute": 9, "second": 50}
